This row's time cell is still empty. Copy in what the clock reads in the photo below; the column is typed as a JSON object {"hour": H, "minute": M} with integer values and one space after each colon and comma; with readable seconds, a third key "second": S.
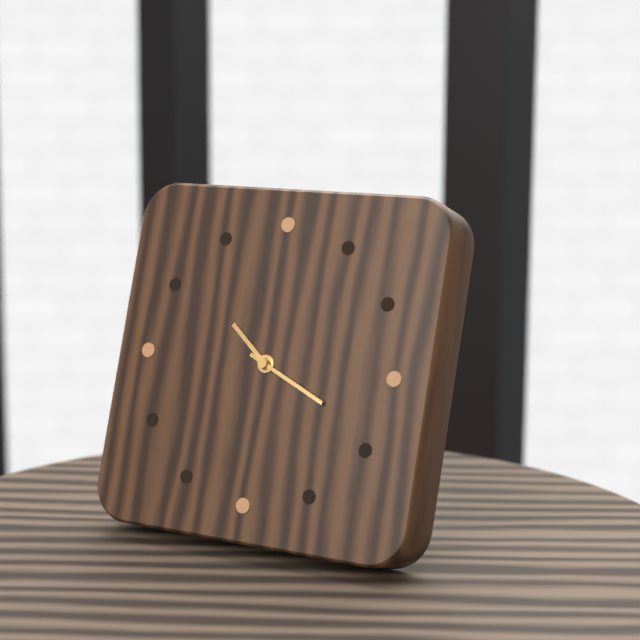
{"hour": 10, "minute": 19}
